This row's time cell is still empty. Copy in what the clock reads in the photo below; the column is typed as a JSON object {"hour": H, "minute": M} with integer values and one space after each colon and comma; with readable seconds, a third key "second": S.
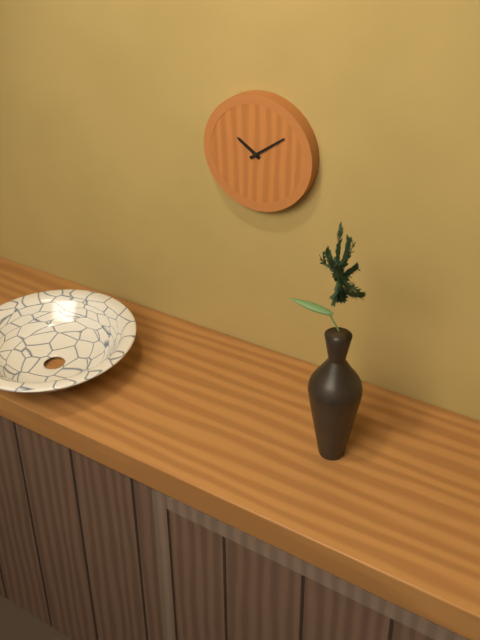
{"hour": 10, "minute": 9}
